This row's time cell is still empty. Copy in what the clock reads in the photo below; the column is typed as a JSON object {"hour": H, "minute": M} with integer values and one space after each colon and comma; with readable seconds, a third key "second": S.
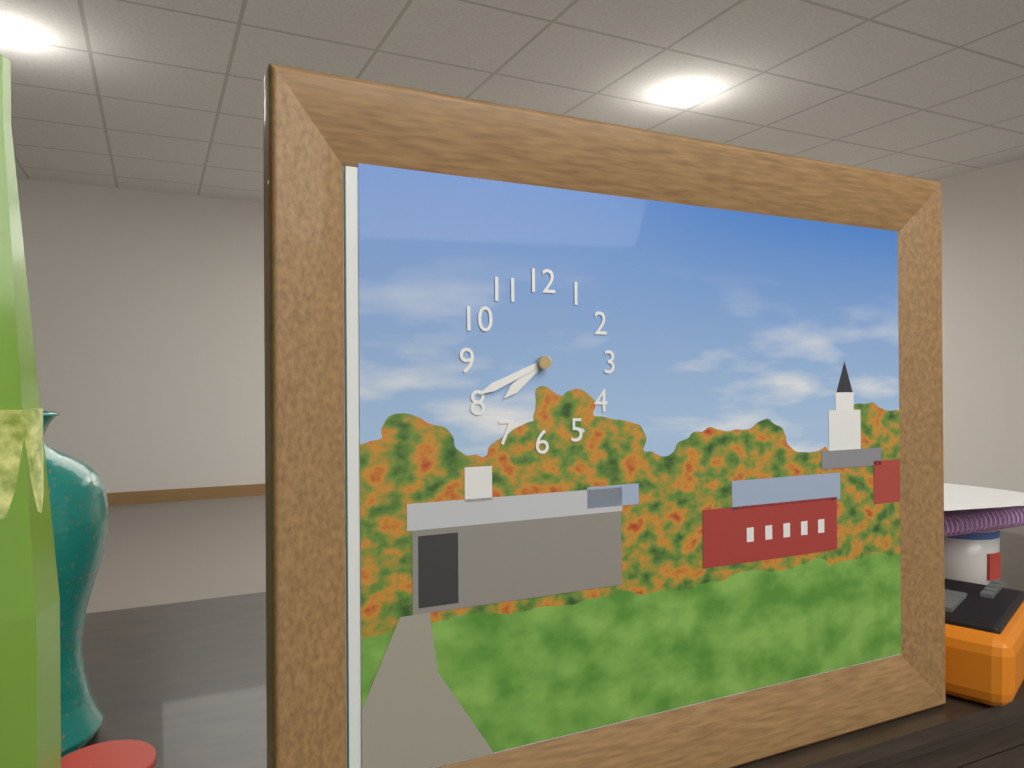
{"hour": 7, "minute": 41}
